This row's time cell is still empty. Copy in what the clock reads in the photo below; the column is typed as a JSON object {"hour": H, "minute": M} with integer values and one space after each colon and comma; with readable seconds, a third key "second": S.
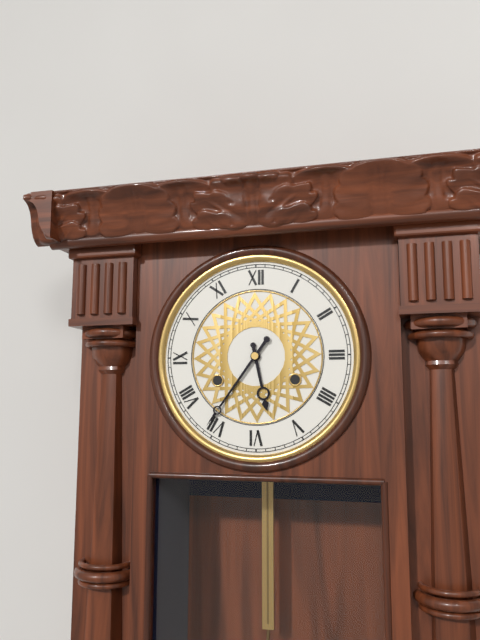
{"hour": 5, "minute": 36}
